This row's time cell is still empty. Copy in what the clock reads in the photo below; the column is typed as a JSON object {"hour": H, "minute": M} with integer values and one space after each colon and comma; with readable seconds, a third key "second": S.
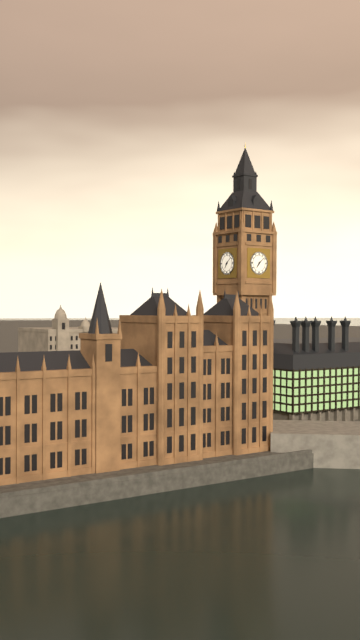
{"hour": 7, "minute": 8}
